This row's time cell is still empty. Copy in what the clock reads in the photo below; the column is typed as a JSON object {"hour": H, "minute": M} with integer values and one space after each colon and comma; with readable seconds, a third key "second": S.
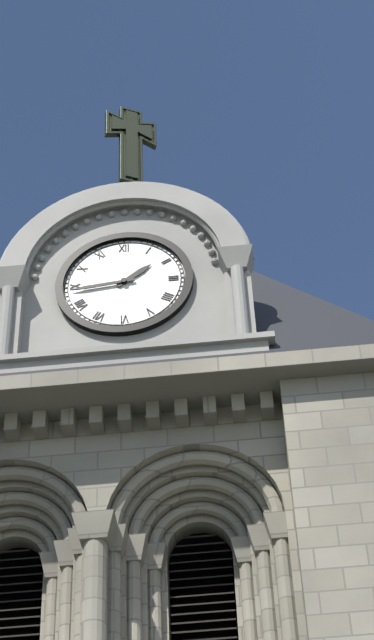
{"hour": 1, "minute": 44}
